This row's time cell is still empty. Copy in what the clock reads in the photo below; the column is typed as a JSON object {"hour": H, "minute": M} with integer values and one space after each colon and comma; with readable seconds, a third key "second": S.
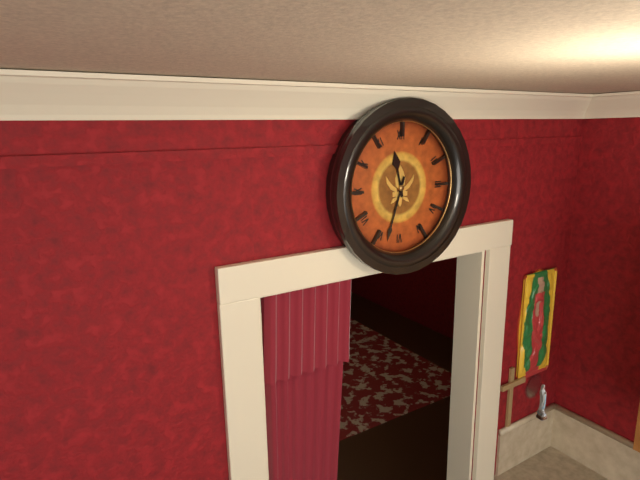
{"hour": 11, "minute": 33}
